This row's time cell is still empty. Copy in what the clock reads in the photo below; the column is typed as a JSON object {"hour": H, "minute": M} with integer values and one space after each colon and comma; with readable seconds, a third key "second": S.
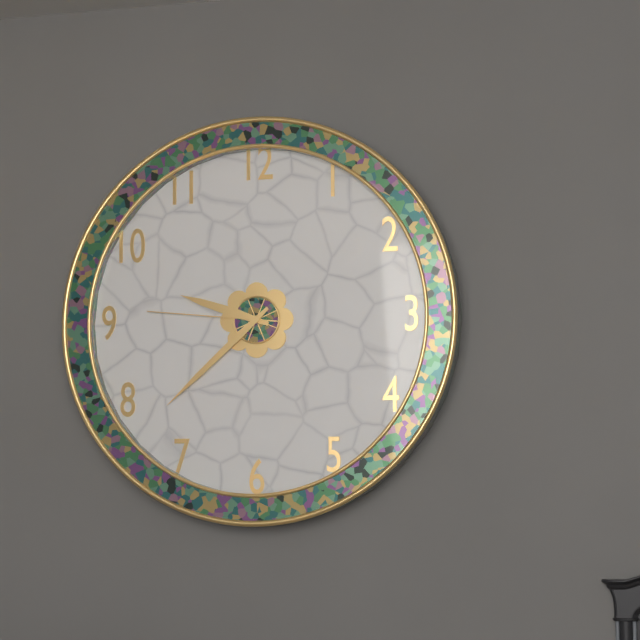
{"hour": 9, "minute": 38, "second": 46}
